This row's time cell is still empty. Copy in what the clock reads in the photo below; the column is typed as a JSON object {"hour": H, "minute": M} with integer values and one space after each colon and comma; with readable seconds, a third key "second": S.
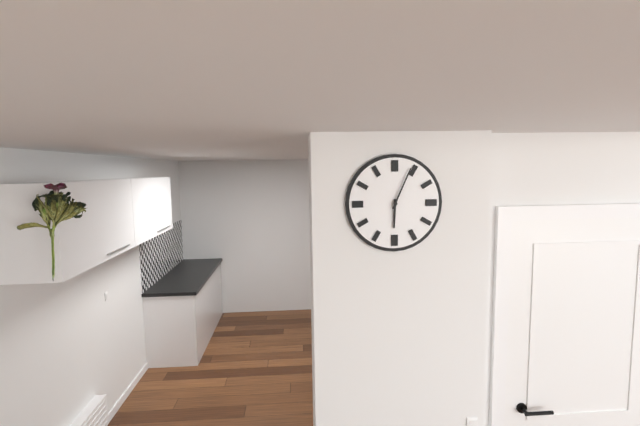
{"hour": 6, "minute": 4}
